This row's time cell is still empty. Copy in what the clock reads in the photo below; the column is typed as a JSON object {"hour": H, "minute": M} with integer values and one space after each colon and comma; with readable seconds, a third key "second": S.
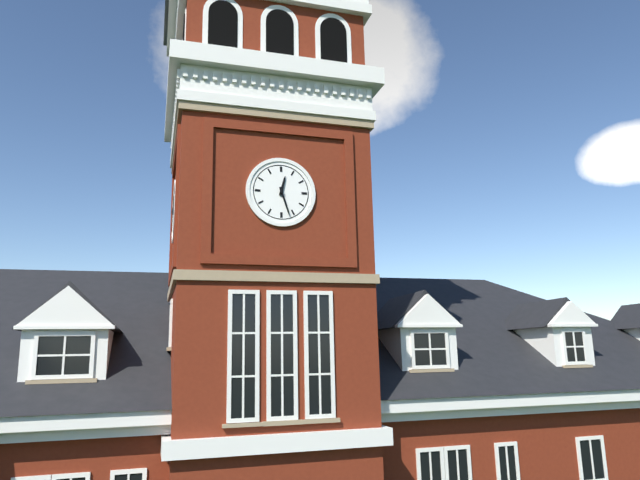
{"hour": 12, "minute": 27}
